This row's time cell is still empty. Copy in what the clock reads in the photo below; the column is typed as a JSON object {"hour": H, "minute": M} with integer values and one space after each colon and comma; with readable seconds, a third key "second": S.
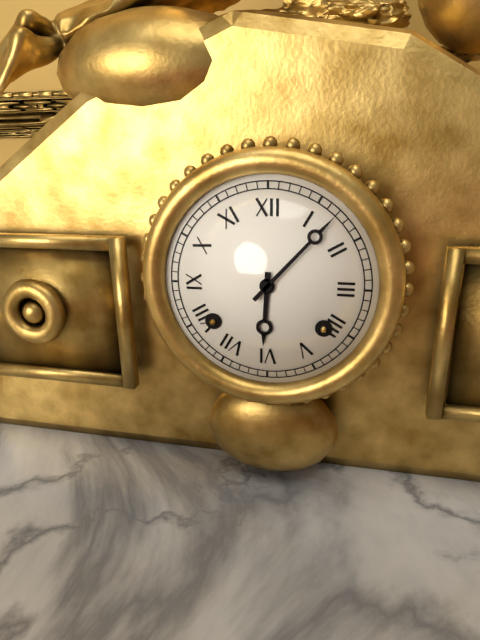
{"hour": 6, "minute": 7}
